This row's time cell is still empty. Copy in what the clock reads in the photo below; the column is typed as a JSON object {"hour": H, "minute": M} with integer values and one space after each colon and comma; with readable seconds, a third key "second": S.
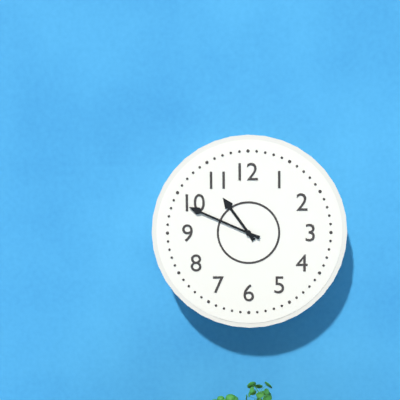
{"hour": 10, "minute": 49}
